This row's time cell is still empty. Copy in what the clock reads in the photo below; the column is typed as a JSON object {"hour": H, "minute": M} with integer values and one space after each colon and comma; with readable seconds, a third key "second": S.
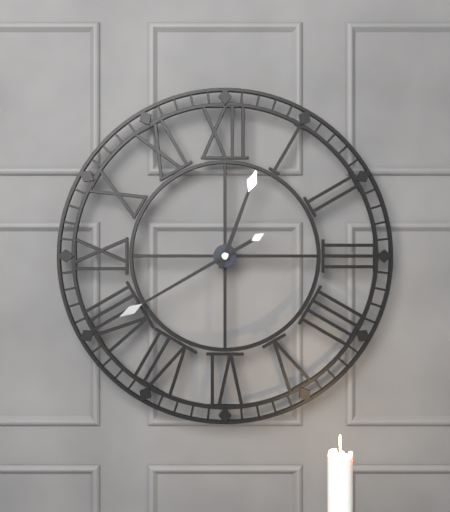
{"hour": 12, "minute": 40}
